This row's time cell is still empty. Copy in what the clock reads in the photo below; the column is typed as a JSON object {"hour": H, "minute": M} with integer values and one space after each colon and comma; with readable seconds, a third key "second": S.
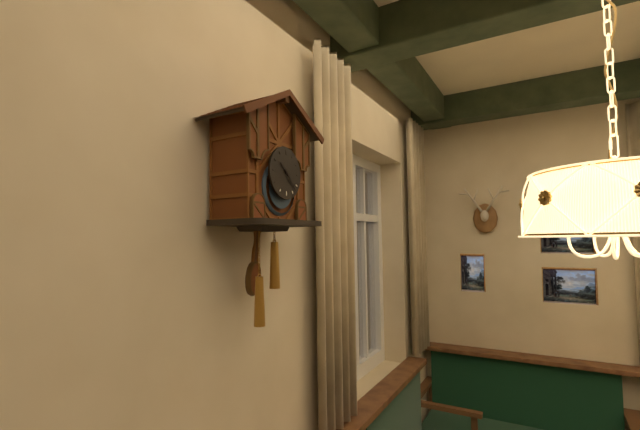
{"hour": 10, "minute": 23}
